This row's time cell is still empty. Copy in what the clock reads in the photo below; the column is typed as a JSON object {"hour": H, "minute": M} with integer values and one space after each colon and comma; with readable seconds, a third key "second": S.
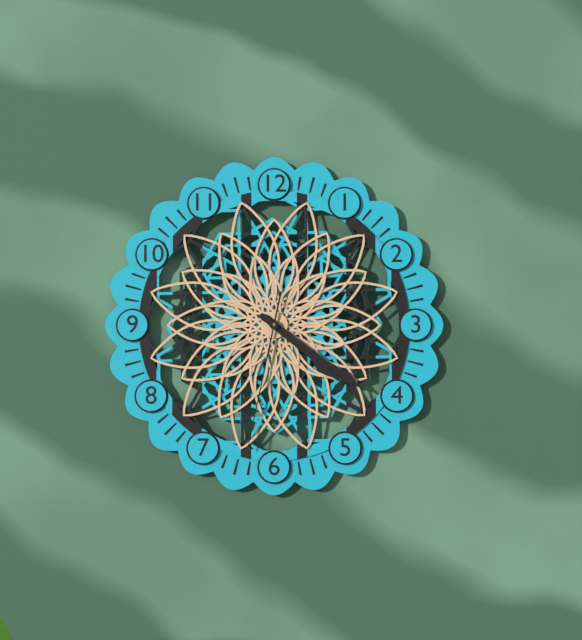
{"hour": 4, "minute": 21, "second": 32}
